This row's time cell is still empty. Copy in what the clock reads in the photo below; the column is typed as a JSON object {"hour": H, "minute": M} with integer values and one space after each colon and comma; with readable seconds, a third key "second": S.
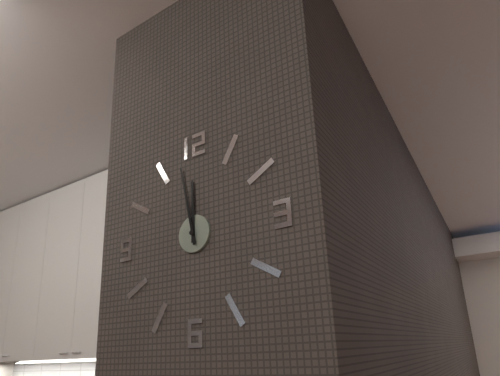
{"hour": 11, "minute": 58}
